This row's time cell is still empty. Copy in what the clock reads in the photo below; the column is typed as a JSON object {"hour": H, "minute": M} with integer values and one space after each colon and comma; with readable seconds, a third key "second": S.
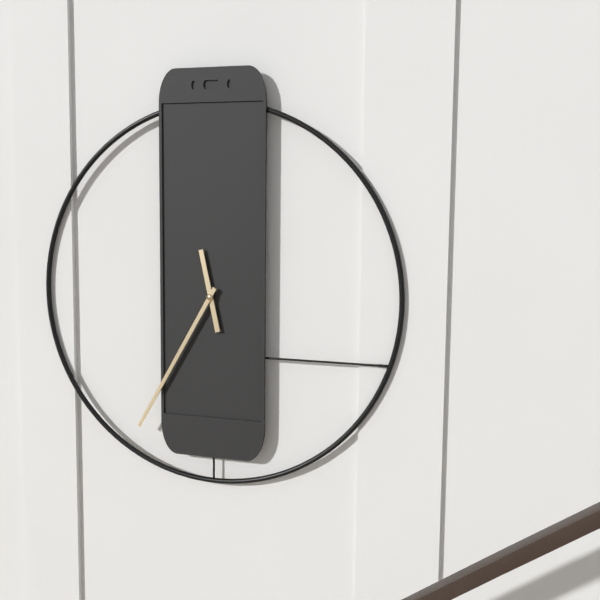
{"hour": 11, "minute": 35}
